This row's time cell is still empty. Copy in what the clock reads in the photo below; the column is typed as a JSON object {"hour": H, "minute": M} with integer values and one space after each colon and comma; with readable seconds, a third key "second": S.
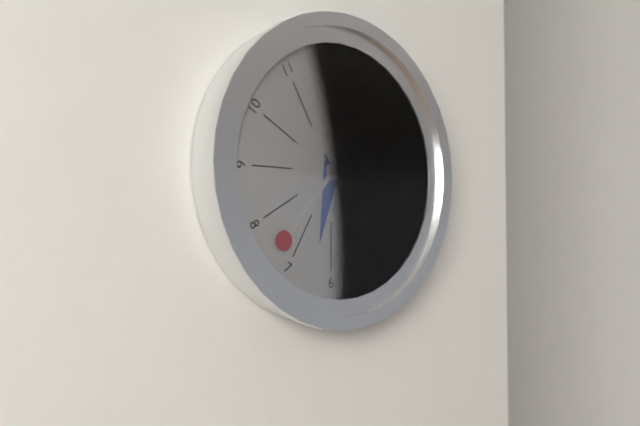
{"hour": 6, "minute": 25, "second": 37}
